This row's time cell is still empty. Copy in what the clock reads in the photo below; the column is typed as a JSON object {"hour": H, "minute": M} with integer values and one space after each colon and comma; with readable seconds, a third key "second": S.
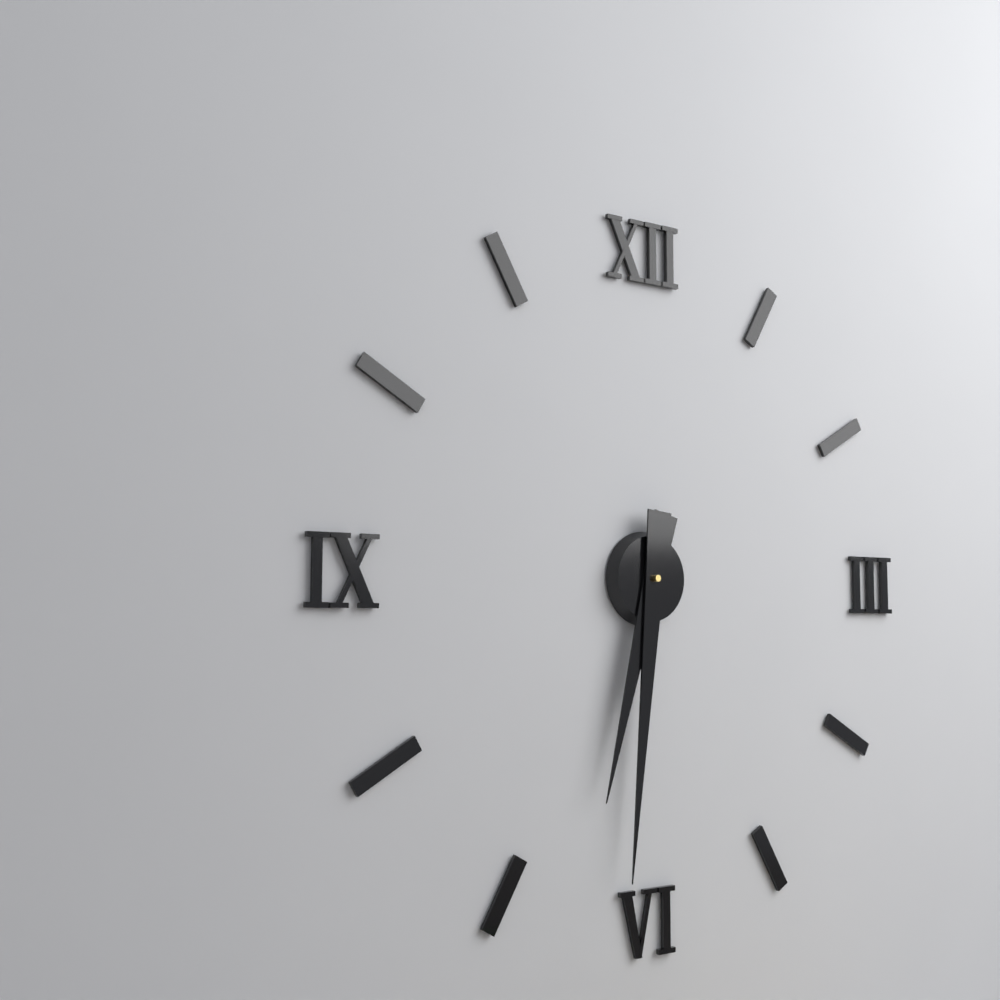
{"hour": 6, "minute": 31}
